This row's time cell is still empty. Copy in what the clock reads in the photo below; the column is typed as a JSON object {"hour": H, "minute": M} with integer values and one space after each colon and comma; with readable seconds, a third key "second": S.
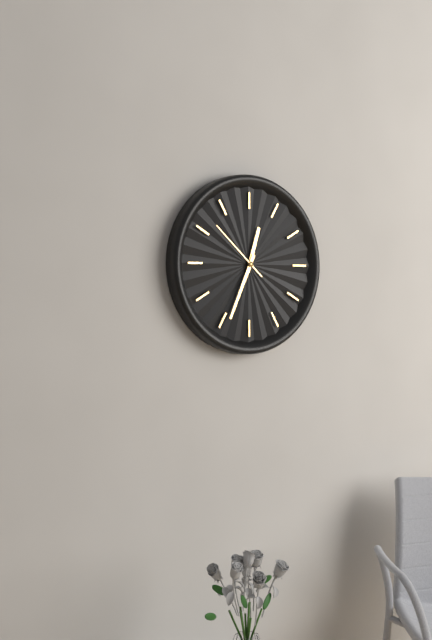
{"hour": 12, "minute": 34, "second": 52}
